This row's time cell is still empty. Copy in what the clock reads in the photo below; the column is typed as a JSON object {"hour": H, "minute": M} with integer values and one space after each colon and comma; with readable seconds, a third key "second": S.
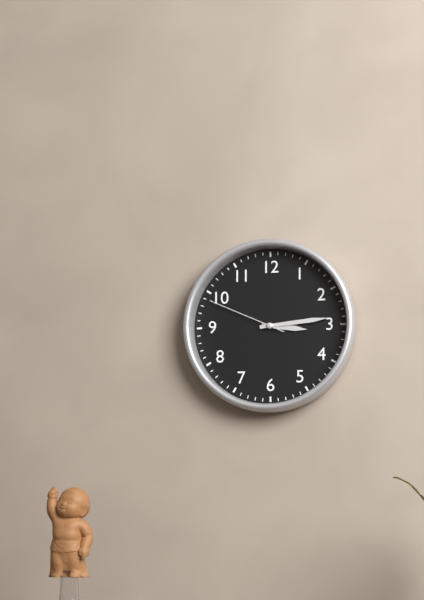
{"hour": 3, "minute": 14, "second": 49}
